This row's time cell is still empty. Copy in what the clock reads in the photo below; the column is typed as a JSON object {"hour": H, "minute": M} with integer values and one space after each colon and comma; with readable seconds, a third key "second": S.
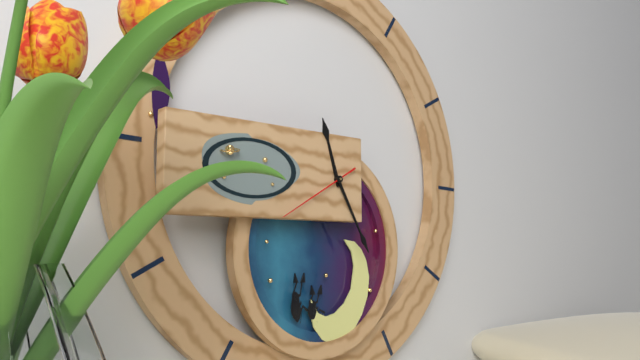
{"hour": 11, "minute": 25, "second": 40}
